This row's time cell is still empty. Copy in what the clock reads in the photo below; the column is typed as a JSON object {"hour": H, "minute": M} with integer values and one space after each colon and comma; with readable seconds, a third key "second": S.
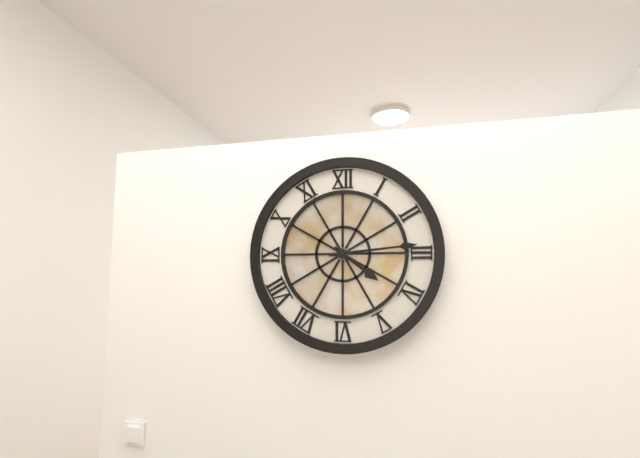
{"hour": 4, "minute": 14}
